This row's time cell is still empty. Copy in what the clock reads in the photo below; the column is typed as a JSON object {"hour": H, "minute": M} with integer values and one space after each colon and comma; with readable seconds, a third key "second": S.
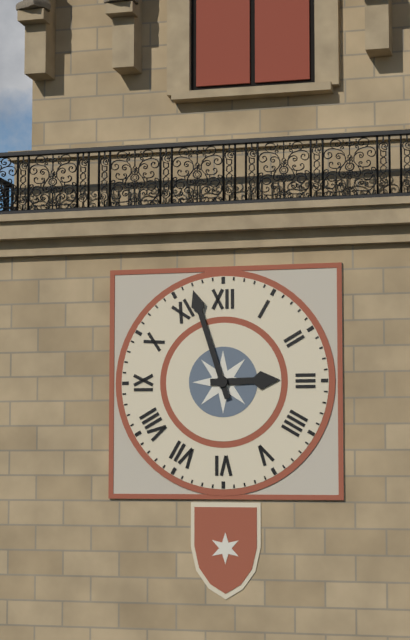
{"hour": 2, "minute": 57}
